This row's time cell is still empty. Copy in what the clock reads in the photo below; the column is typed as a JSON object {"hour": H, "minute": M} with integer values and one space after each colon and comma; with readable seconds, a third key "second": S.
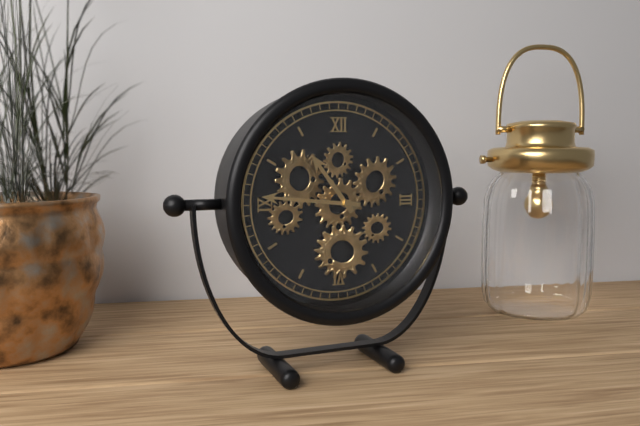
{"hour": 10, "minute": 46}
